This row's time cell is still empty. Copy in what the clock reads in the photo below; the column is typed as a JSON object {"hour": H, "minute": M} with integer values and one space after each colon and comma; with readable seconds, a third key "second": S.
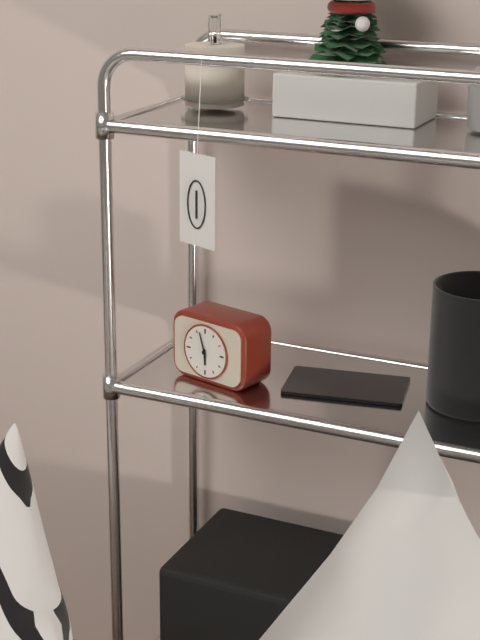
{"hour": 5, "minute": 57}
